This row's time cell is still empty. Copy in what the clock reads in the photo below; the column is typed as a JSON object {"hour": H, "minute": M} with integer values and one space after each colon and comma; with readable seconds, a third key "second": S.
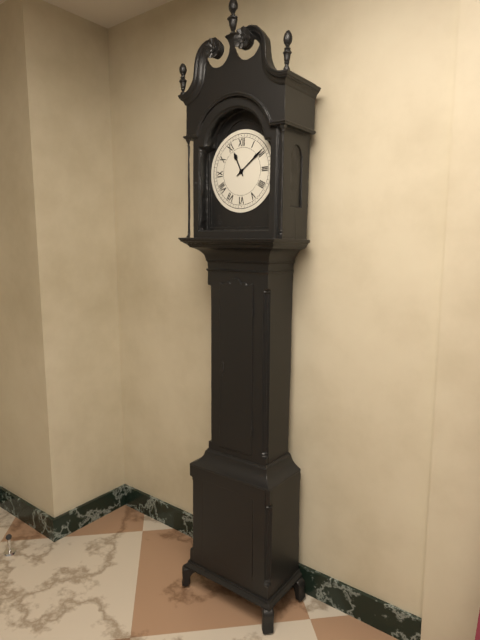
{"hour": 11, "minute": 9}
